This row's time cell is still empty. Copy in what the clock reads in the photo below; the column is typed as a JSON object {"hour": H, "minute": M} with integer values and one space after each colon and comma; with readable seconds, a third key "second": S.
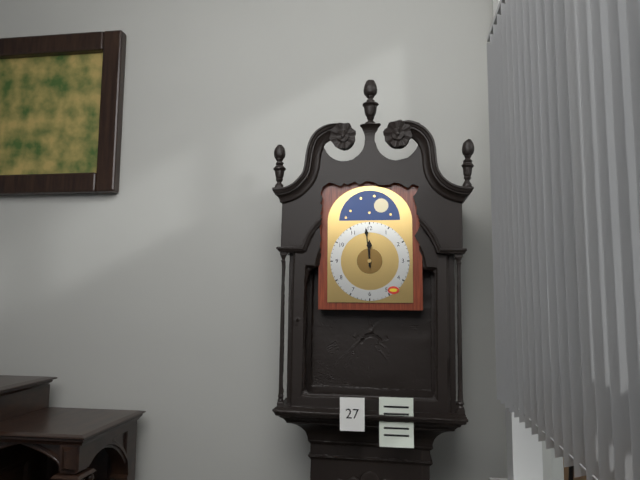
{"hour": 11, "minute": 59}
